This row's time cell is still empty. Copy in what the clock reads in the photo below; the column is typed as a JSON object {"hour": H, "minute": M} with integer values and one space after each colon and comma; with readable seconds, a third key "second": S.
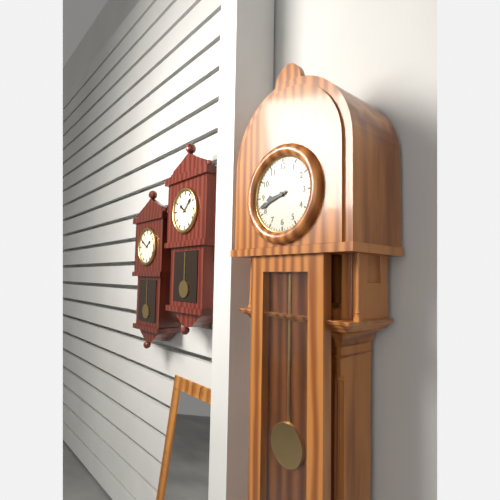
{"hour": 8, "minute": 42}
